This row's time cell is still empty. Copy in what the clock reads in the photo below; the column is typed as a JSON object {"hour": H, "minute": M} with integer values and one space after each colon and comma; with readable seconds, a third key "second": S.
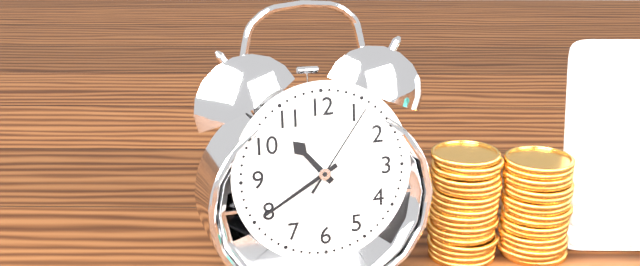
{"hour": 10, "minute": 40, "second": 6}
